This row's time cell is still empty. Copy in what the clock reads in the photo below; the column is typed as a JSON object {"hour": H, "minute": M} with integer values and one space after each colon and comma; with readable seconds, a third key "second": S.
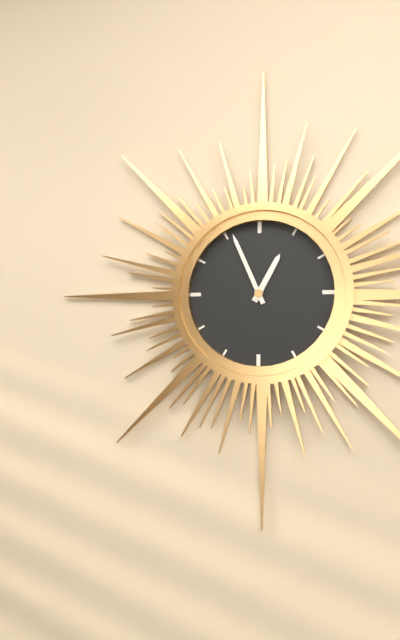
{"hour": 12, "minute": 56}
